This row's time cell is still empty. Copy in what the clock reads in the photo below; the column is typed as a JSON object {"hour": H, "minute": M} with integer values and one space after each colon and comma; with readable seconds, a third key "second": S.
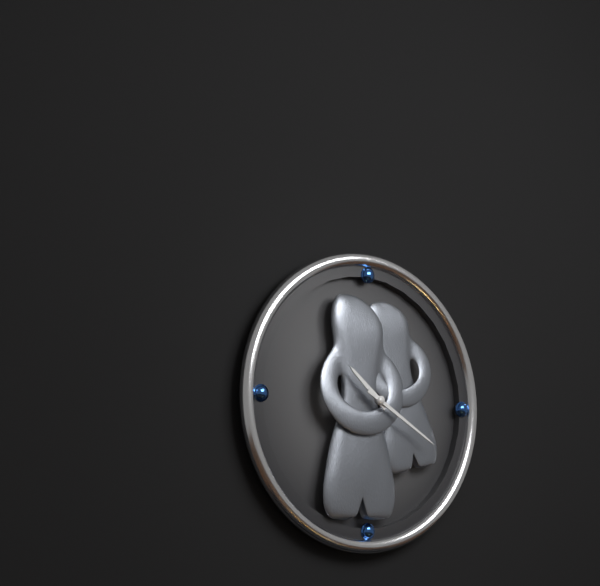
{"hour": 10, "minute": 20}
